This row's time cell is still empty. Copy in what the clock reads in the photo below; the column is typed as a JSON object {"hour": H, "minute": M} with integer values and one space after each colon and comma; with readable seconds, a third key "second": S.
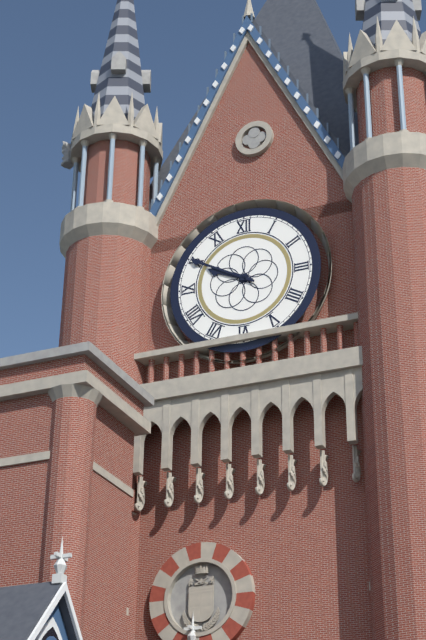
{"hour": 9, "minute": 50}
